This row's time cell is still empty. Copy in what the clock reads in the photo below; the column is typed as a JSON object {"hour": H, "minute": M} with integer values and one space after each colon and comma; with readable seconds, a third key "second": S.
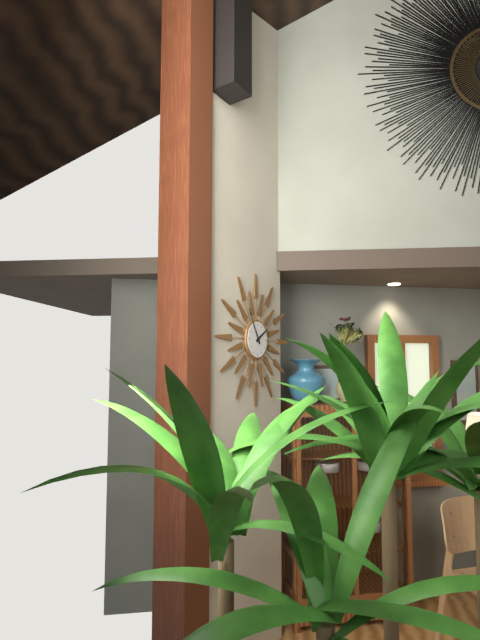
{"hour": 1, "minute": 55}
